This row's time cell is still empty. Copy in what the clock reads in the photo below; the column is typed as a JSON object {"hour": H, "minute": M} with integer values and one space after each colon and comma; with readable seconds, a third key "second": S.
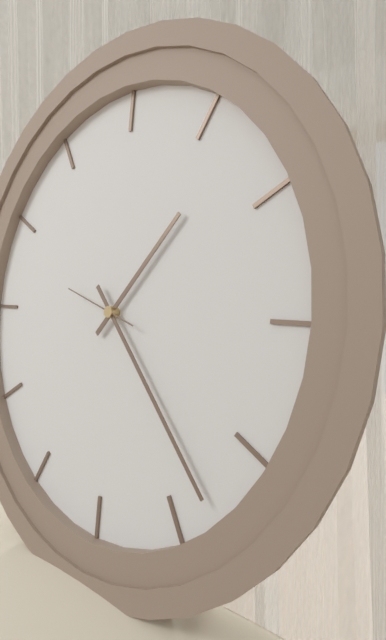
{"hour": 1, "minute": 23, "second": 48}
